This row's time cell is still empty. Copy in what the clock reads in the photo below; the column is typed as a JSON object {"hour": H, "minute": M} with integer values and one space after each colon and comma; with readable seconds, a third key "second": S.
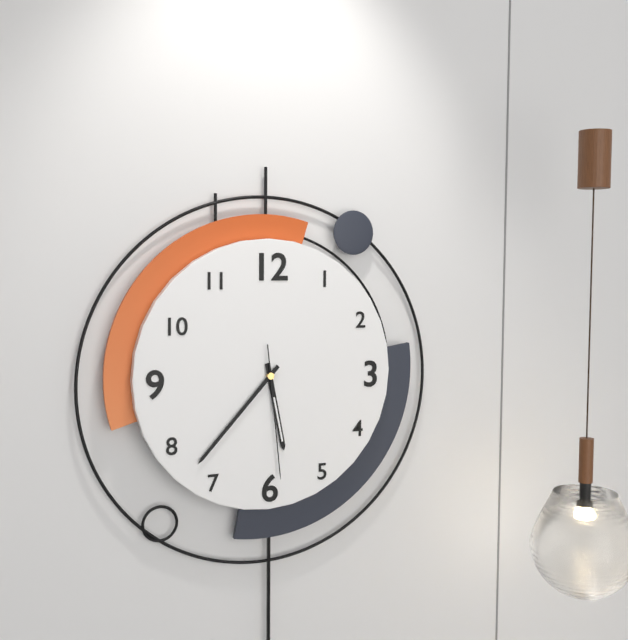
{"hour": 5, "minute": 37, "second": 29}
